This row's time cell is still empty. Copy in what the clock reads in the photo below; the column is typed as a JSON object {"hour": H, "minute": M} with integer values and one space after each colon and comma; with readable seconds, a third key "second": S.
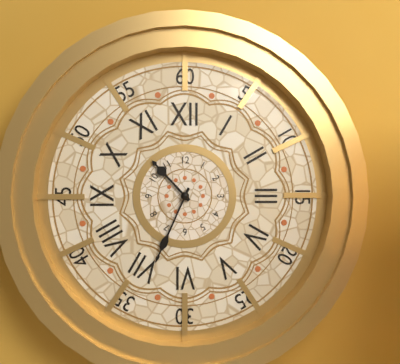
{"hour": 10, "minute": 34}
